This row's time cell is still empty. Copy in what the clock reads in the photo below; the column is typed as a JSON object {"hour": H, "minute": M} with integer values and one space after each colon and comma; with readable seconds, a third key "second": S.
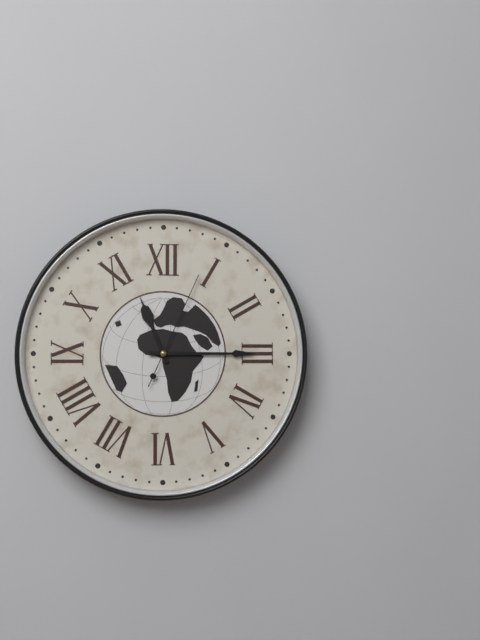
{"hour": 11, "minute": 15, "second": 4}
